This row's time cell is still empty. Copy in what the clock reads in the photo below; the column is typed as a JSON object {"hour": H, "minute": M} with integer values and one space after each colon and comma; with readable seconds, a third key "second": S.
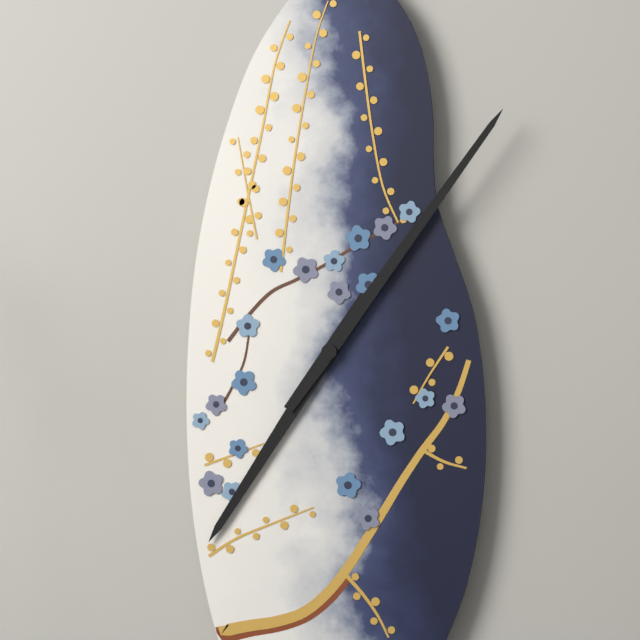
{"hour": 7, "minute": 6}
